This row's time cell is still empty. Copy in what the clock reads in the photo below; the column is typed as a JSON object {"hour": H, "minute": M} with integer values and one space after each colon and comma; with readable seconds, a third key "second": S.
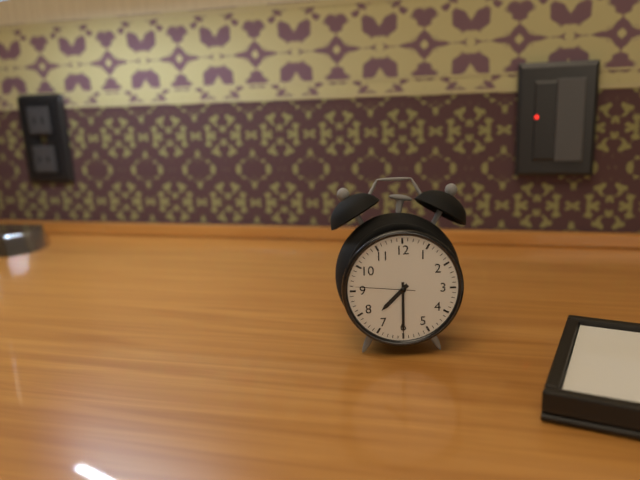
{"hour": 7, "minute": 30, "second": 46}
